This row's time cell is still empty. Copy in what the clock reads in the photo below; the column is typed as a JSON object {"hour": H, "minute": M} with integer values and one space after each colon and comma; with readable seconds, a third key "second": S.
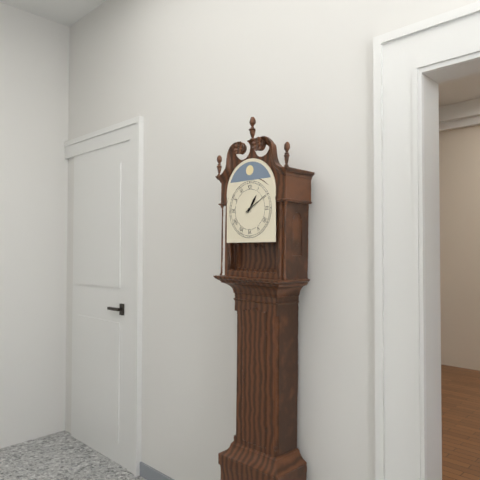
{"hour": 1, "minute": 10}
